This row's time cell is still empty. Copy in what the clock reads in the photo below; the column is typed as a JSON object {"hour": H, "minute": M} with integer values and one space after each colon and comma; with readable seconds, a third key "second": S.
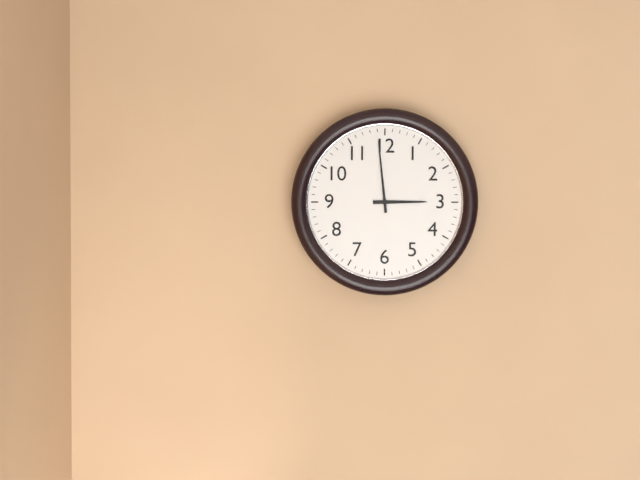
{"hour": 2, "minute": 59}
